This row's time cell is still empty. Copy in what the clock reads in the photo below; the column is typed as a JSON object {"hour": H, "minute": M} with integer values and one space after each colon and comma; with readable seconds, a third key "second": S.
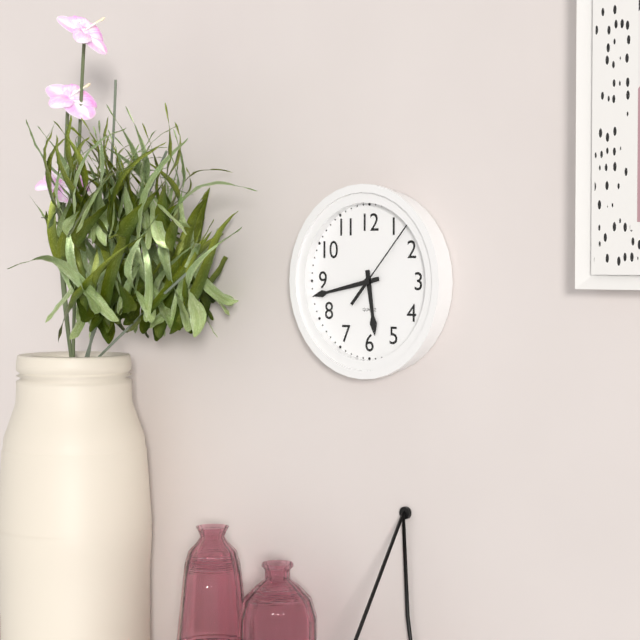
{"hour": 5, "minute": 43, "second": 7}
